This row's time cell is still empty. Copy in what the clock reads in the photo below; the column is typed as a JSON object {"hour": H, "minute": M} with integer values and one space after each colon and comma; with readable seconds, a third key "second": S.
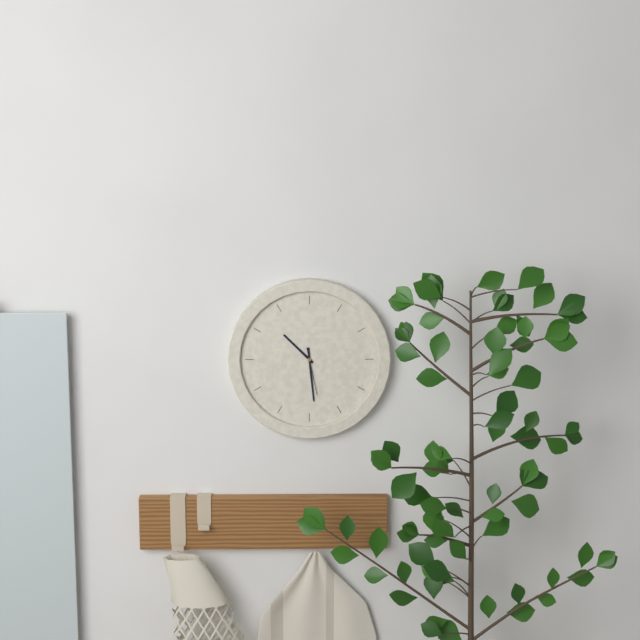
{"hour": 10, "minute": 29}
